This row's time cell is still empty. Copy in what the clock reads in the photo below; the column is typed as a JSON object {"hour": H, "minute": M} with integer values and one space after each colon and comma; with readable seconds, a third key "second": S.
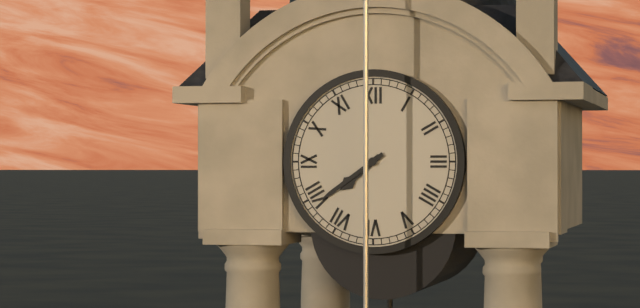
{"hour": 7, "minute": 39}
